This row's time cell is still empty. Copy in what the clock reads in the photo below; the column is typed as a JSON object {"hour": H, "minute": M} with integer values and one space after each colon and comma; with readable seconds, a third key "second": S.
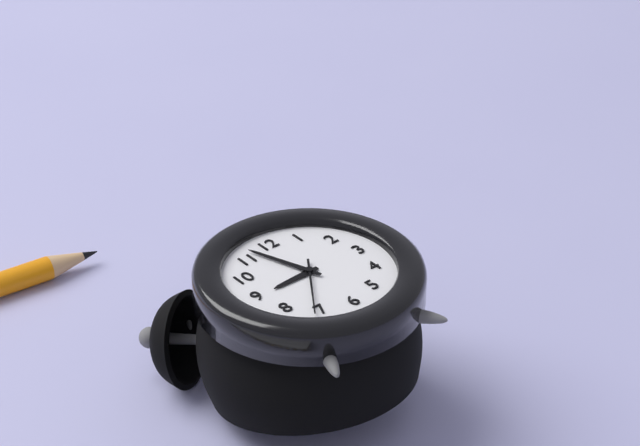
{"hour": 8, "minute": 57, "second": 36}
